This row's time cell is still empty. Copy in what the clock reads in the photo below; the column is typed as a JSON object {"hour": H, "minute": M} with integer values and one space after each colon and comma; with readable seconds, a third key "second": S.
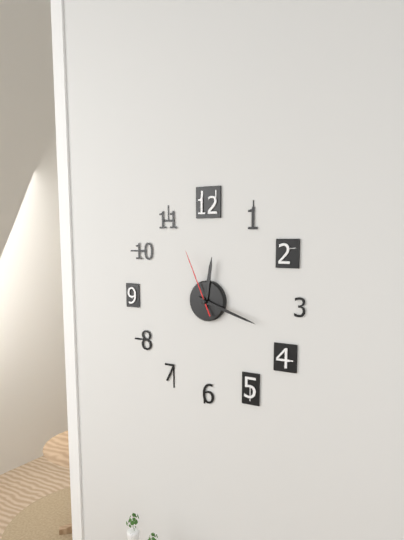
{"hour": 12, "minute": 18, "second": 56}
